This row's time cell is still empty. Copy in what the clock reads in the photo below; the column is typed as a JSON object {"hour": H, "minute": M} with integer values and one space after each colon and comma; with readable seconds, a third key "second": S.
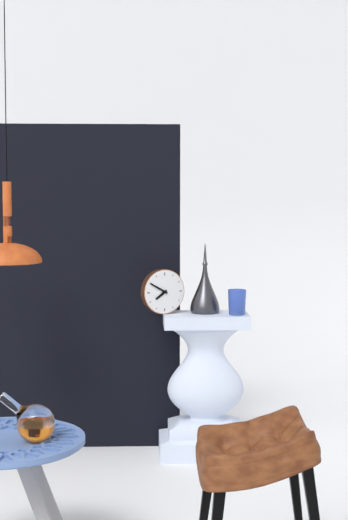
{"hour": 7, "minute": 50}
